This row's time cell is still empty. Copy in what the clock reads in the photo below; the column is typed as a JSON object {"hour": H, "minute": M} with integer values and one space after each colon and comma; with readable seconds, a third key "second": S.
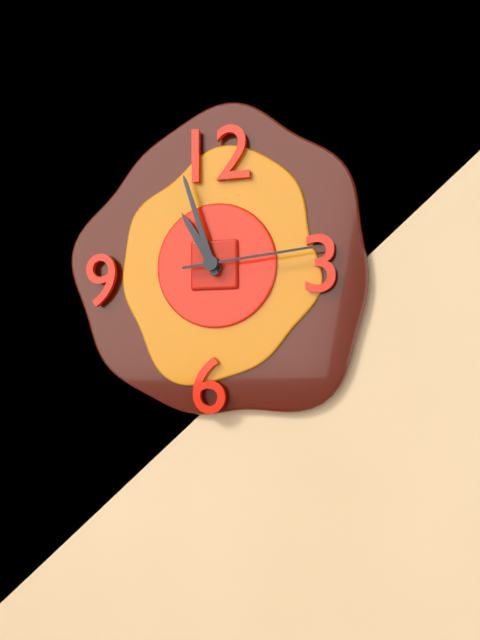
{"hour": 10, "minute": 57, "second": 14}
